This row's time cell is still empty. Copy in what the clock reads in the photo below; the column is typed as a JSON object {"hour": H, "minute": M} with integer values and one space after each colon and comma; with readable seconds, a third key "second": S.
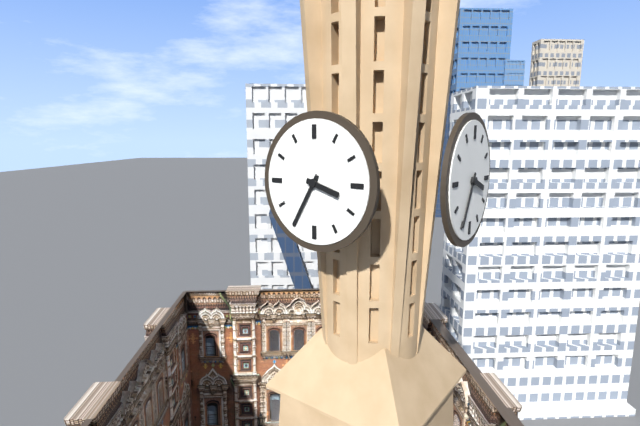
{"hour": 3, "minute": 35}
